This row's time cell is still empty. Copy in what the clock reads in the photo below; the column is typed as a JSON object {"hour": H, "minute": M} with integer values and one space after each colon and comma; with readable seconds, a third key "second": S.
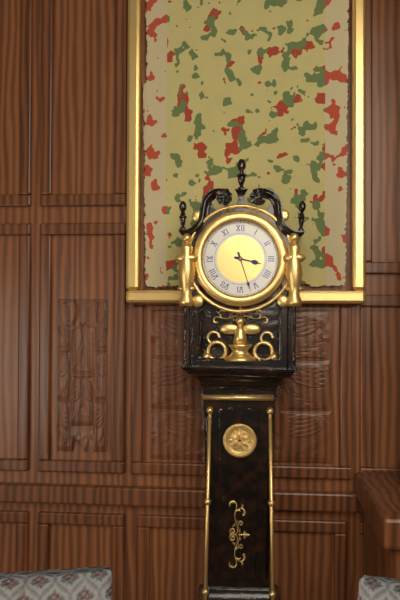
{"hour": 3, "minute": 27}
